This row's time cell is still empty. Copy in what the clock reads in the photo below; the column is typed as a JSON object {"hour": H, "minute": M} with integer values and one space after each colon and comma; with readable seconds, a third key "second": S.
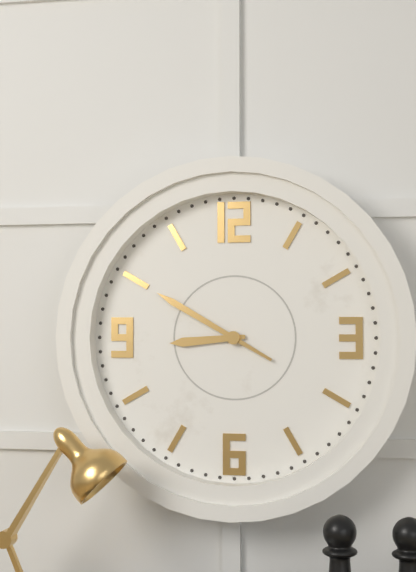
{"hour": 8, "minute": 50}
